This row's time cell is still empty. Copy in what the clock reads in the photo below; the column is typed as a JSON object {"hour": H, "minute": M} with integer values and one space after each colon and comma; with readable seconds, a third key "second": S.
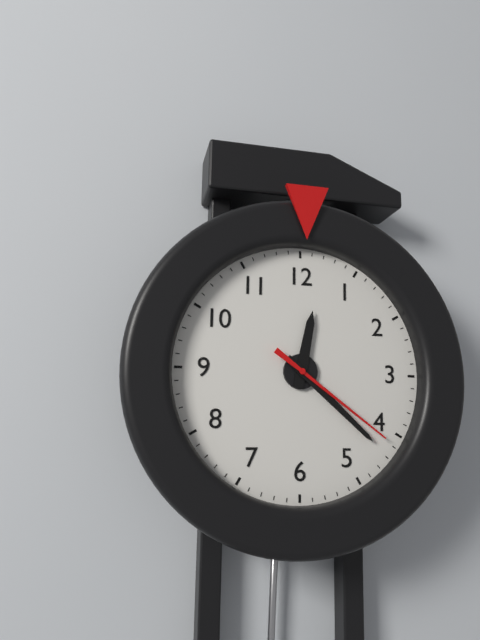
{"hour": 12, "minute": 22, "second": 21}
